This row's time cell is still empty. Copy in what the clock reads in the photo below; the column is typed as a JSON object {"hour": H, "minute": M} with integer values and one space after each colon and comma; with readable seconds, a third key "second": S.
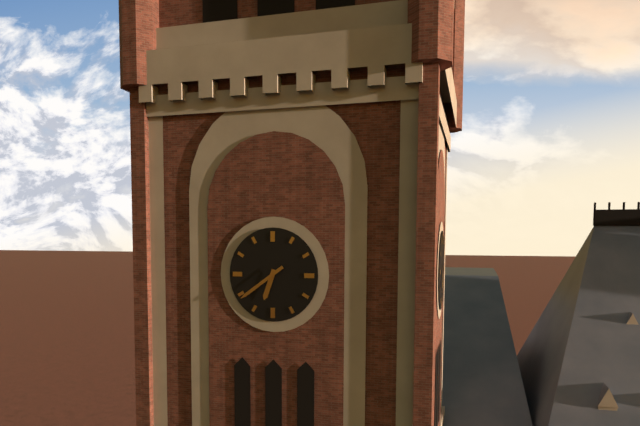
{"hour": 6, "minute": 39}
